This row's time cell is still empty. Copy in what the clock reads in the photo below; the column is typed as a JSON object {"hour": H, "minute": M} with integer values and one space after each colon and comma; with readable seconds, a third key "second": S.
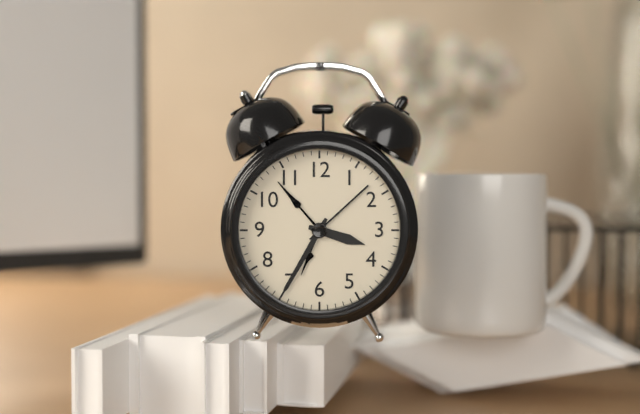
{"hour": 3, "minute": 35}
